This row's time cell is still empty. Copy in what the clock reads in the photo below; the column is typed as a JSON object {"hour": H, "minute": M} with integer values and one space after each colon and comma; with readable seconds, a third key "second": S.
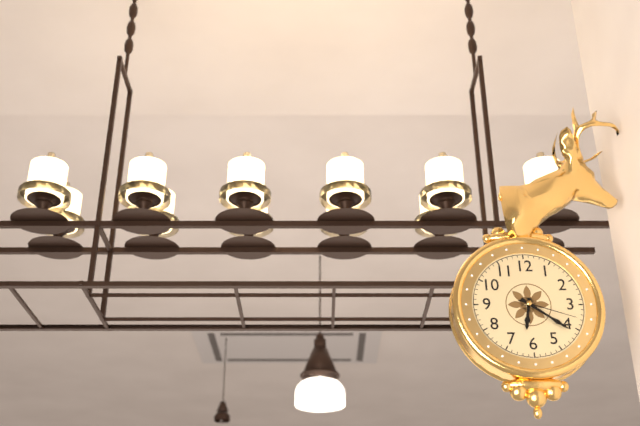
{"hour": 6, "minute": 21, "second": 18}
